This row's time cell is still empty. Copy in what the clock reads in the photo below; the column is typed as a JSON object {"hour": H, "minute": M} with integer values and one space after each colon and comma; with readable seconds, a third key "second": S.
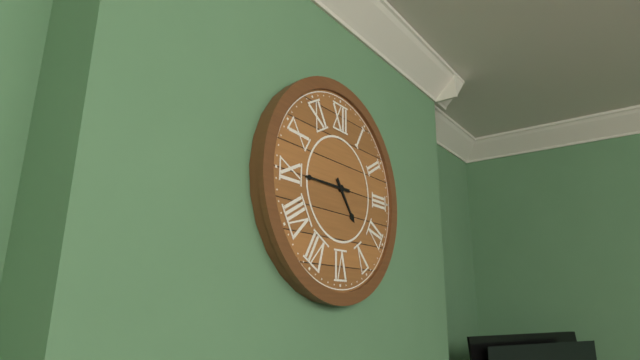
{"hour": 4, "minute": 45}
